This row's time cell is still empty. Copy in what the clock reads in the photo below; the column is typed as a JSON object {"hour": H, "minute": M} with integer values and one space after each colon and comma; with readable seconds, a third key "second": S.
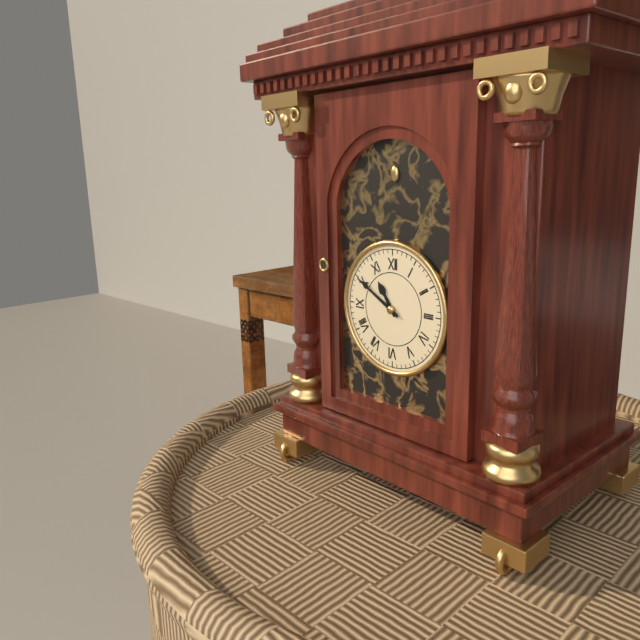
{"hour": 10, "minute": 50}
